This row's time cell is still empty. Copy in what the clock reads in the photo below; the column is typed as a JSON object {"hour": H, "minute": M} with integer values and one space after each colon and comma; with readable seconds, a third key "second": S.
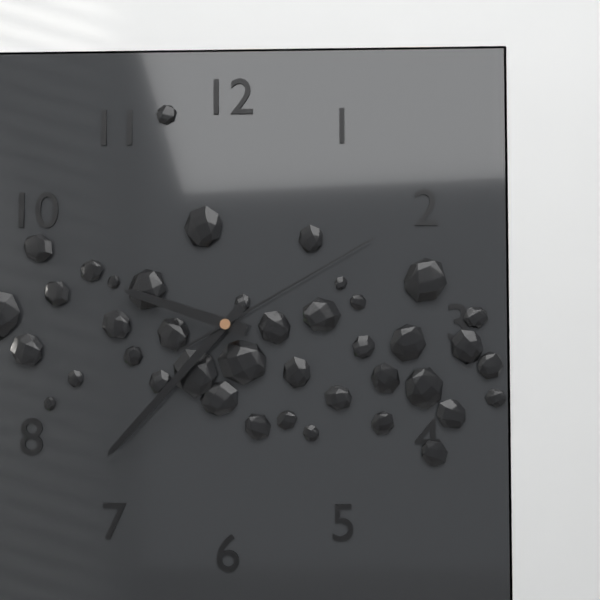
{"hour": 9, "minute": 37, "second": 10}
